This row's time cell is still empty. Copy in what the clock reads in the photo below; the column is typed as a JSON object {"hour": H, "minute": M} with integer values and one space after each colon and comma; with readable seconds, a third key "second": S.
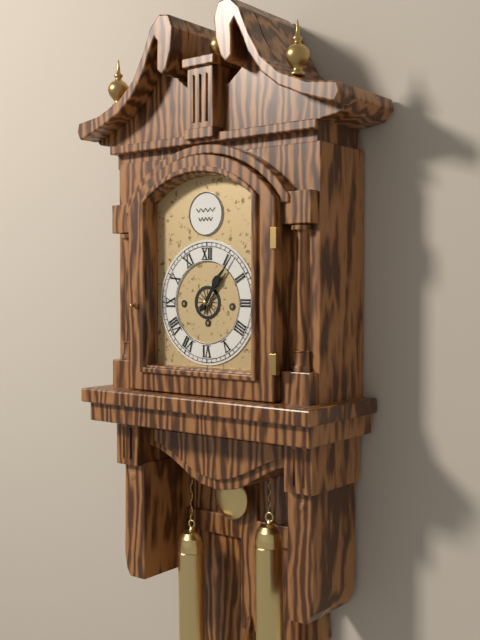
{"hour": 1, "minute": 6}
